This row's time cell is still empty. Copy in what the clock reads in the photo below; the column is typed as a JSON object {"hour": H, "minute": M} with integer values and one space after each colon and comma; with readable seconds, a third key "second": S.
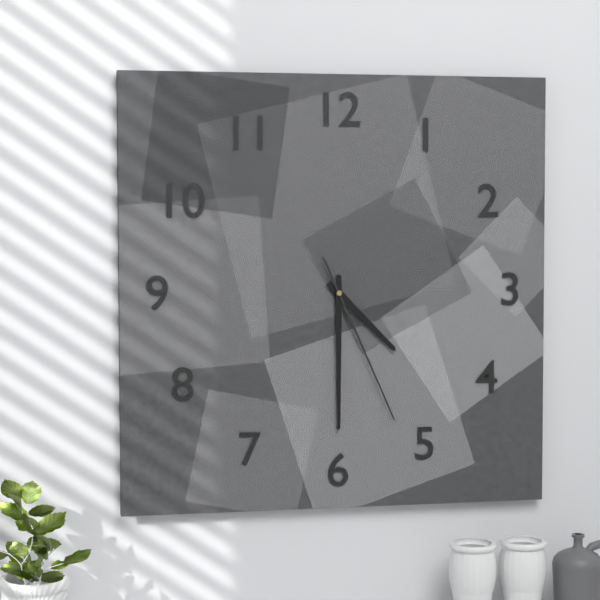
{"hour": 4, "minute": 30, "second": 26}
